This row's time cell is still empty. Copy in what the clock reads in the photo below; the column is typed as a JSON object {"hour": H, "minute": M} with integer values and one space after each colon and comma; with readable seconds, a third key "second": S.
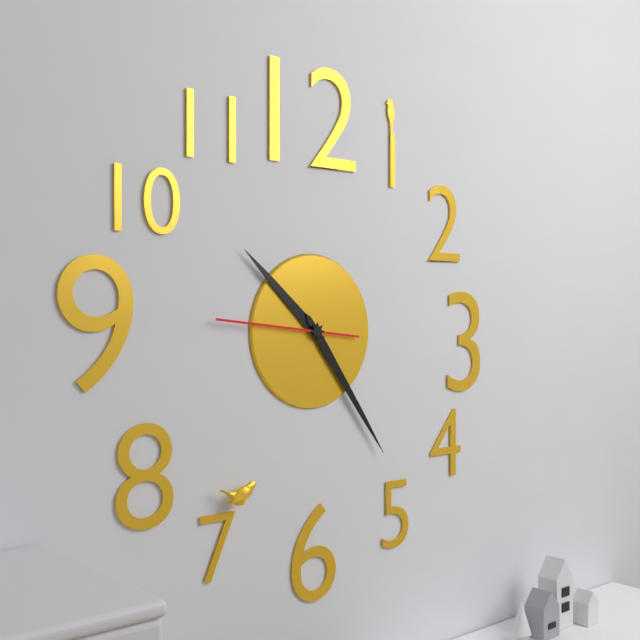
{"hour": 10, "minute": 24, "second": 46}
